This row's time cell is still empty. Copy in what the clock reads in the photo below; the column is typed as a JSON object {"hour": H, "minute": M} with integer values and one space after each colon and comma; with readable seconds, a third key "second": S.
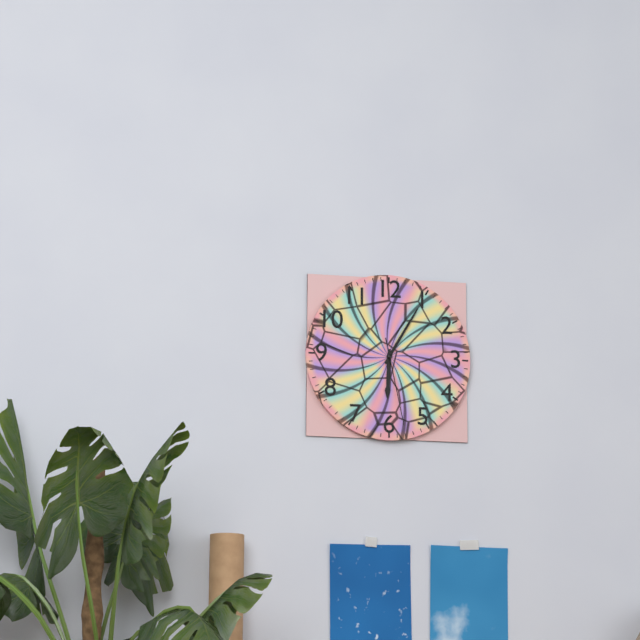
{"hour": 6, "minute": 5, "second": 28}
